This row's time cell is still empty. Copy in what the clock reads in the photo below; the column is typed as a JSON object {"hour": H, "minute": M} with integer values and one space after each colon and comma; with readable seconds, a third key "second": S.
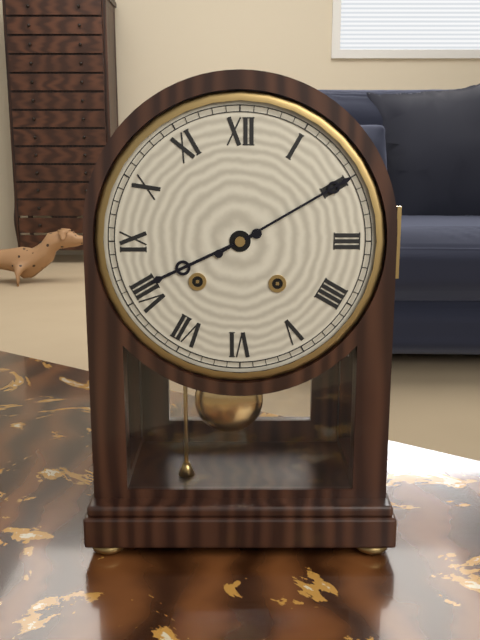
{"hour": 8, "minute": 10}
